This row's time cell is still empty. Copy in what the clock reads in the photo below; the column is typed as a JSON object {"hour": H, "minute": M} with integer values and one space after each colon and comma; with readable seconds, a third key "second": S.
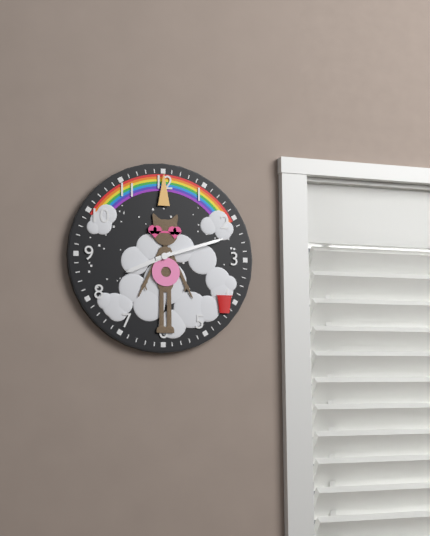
{"hour": 8, "minute": 12}
